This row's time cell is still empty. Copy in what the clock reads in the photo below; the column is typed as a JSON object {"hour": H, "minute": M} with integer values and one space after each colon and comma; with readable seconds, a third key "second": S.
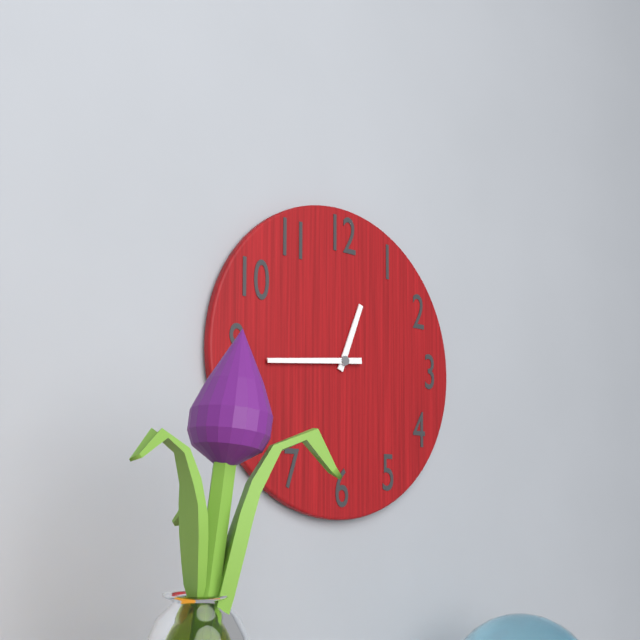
{"hour": 12, "minute": 44}
